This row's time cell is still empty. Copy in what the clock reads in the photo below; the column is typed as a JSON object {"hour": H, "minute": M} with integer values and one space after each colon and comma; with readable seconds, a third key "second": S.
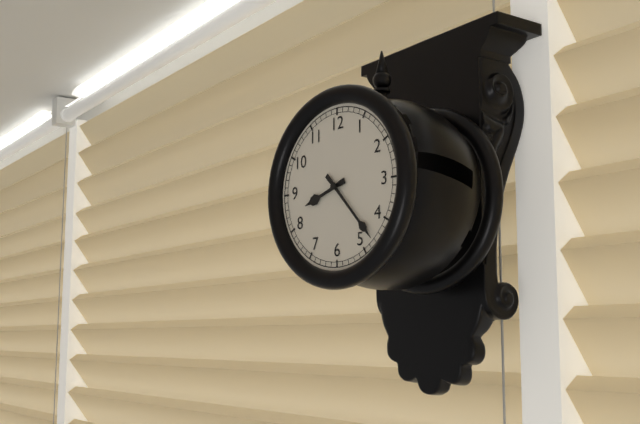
{"hour": 8, "minute": 23}
